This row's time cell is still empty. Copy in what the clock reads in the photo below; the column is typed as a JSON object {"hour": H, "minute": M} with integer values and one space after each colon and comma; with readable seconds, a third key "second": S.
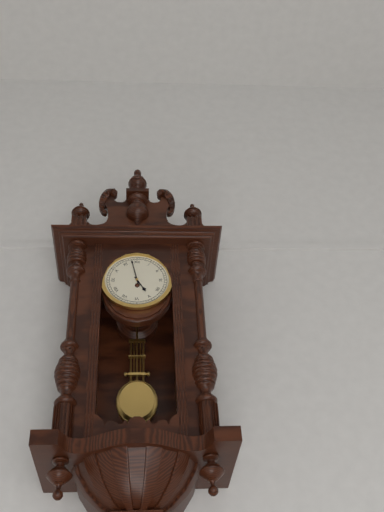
{"hour": 4, "minute": 58}
